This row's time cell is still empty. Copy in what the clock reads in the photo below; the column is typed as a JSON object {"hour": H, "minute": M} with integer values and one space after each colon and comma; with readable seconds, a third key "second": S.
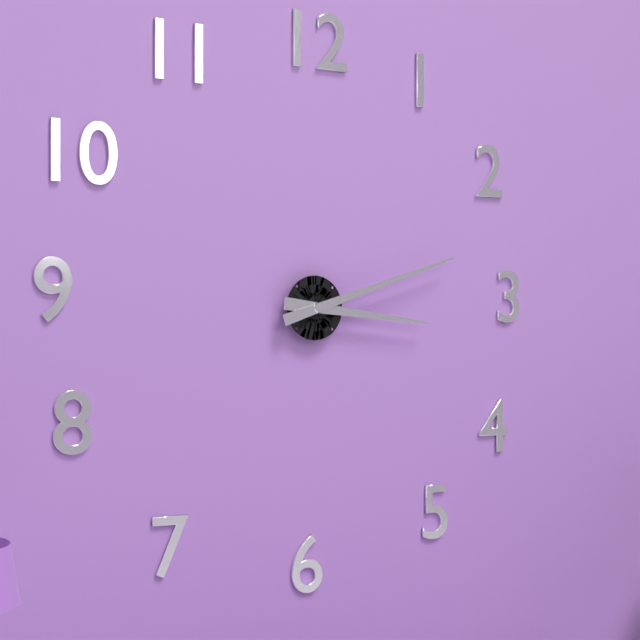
{"hour": 3, "minute": 12}
